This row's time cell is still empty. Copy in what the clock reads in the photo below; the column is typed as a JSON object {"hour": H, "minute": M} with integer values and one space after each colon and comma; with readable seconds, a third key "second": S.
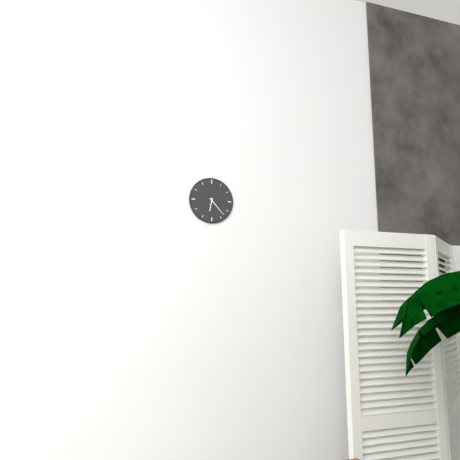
{"hour": 6, "minute": 23}
